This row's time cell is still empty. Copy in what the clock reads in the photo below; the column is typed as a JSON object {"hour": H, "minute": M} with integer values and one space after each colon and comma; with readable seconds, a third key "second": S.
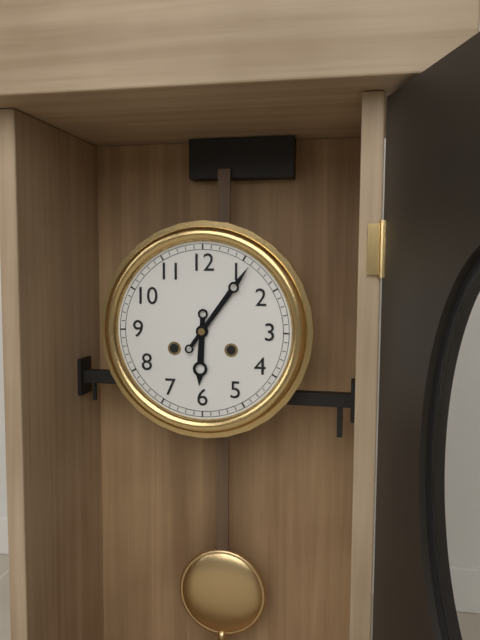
{"hour": 6, "minute": 6}
